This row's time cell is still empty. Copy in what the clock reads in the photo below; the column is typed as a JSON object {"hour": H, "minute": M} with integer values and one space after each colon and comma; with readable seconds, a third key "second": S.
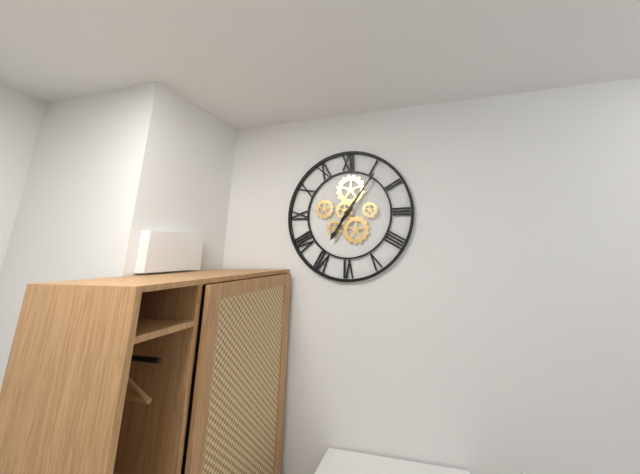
{"hour": 7, "minute": 6}
